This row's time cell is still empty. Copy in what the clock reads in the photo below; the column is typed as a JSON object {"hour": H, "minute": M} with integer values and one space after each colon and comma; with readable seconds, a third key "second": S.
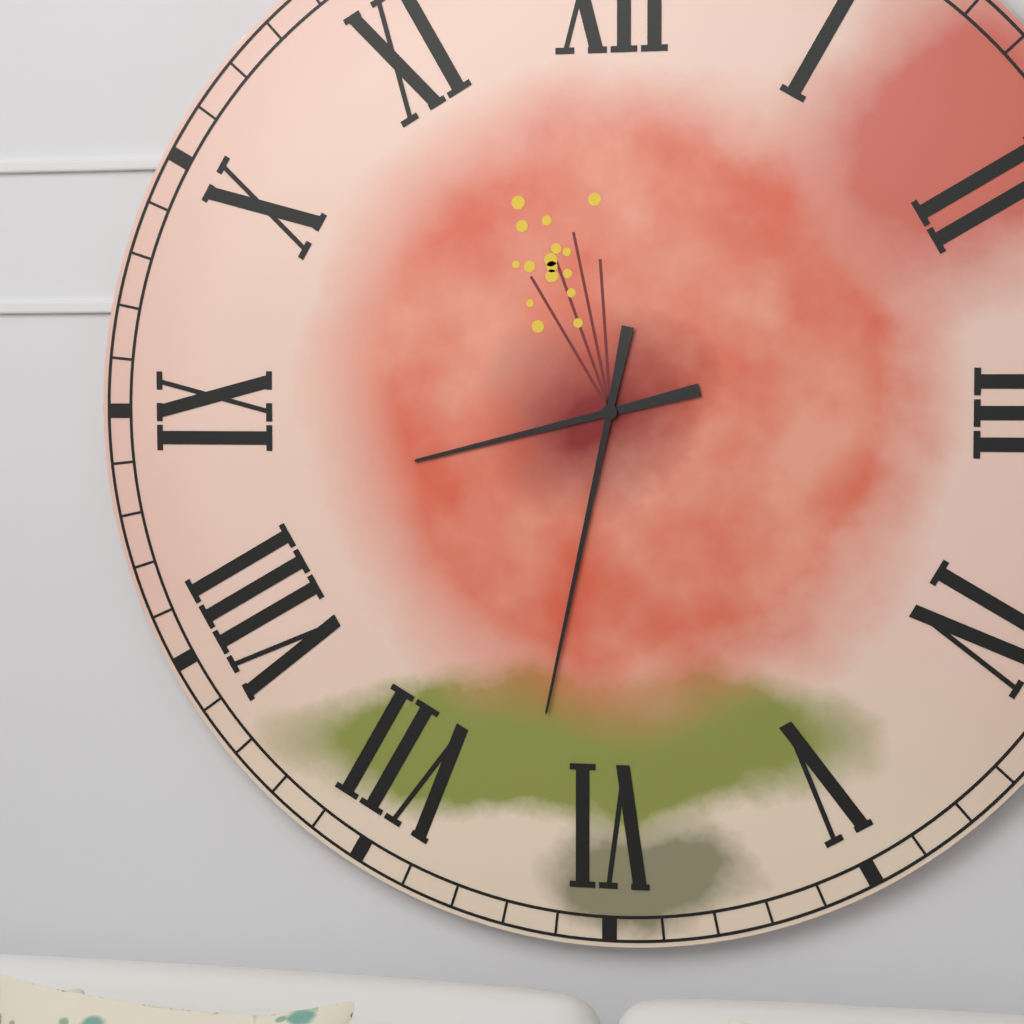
{"hour": 8, "minute": 32}
